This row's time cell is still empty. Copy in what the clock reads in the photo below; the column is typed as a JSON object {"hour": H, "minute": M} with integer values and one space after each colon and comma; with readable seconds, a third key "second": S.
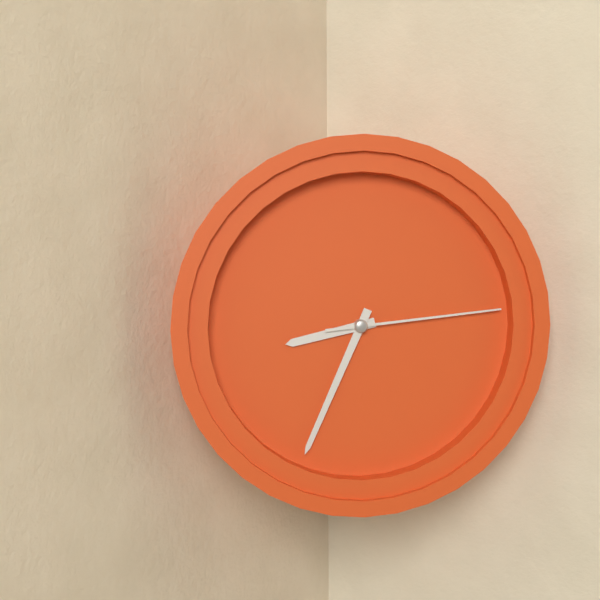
{"hour": 8, "minute": 34, "second": 14}
